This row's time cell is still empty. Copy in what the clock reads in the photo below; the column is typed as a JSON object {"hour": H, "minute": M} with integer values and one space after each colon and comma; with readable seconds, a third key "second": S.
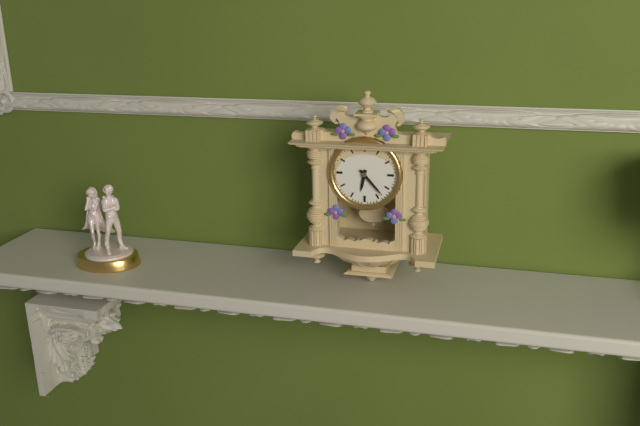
{"hour": 6, "minute": 23}
